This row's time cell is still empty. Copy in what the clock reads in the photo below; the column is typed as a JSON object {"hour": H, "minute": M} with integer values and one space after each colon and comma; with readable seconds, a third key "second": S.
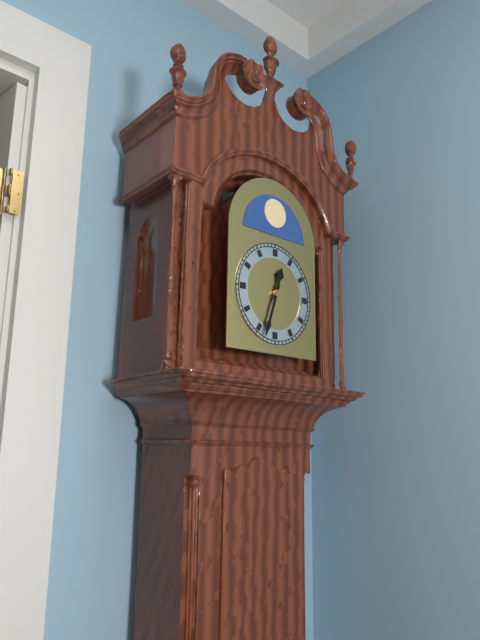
{"hour": 12, "minute": 33}
